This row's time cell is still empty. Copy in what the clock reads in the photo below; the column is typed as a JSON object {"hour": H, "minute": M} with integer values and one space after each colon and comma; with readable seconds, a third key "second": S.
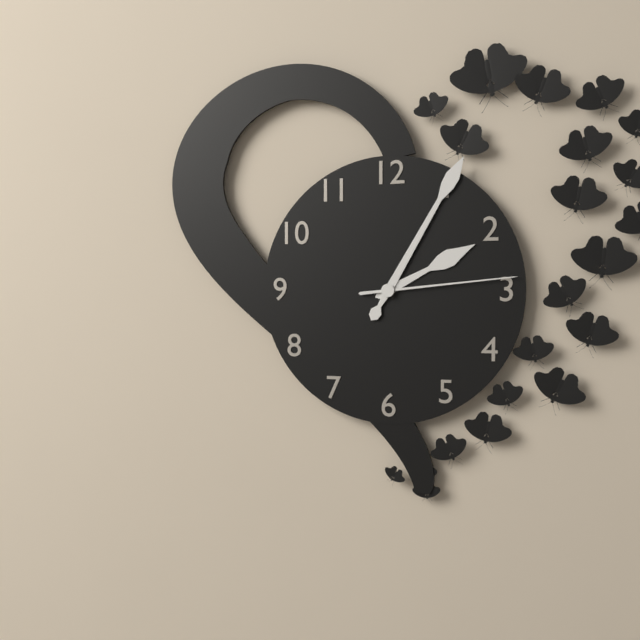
{"hour": 2, "minute": 5, "second": 14}
